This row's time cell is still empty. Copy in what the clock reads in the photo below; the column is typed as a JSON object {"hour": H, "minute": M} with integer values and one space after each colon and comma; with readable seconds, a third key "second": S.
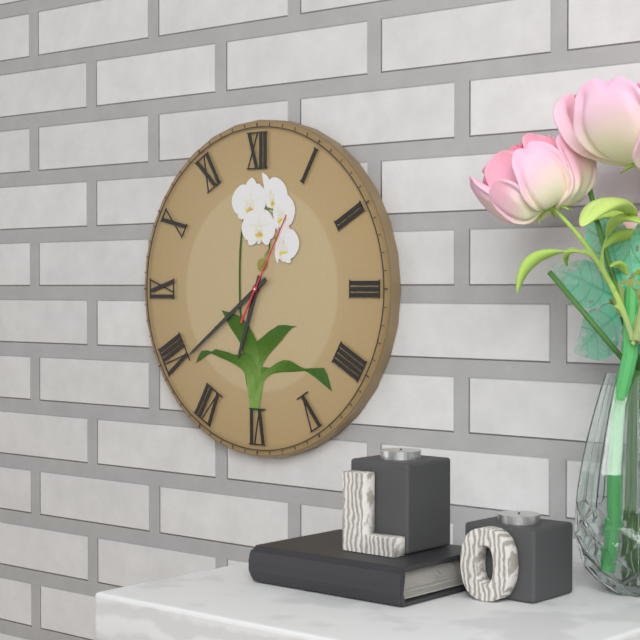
{"hour": 6, "minute": 39, "second": 5}
